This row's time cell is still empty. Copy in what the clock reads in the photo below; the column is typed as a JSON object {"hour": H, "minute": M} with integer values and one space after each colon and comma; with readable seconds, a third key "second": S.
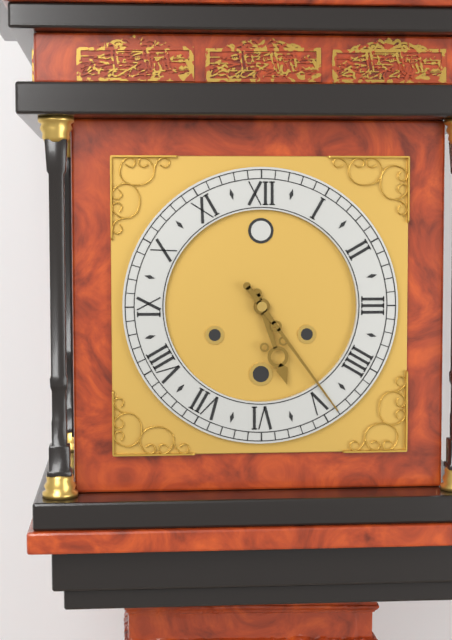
{"hour": 5, "minute": 24}
